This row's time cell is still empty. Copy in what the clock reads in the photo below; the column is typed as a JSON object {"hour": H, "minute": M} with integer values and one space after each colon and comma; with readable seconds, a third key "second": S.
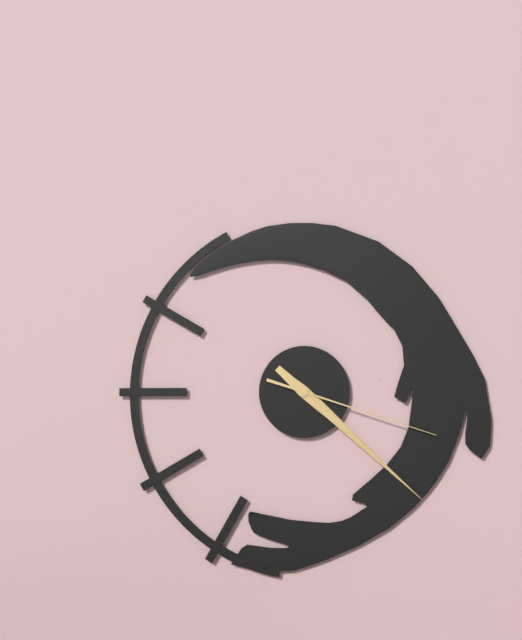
{"hour": 4, "minute": 22, "second": 18}
